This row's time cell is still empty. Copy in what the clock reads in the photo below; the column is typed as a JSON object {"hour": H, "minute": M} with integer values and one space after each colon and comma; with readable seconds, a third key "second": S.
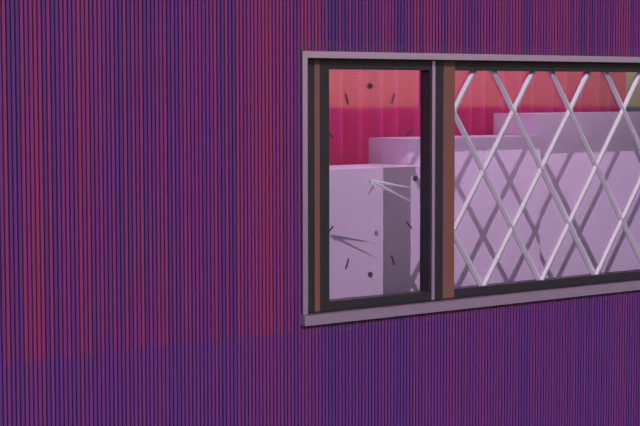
{"hour": 3, "minute": 19}
